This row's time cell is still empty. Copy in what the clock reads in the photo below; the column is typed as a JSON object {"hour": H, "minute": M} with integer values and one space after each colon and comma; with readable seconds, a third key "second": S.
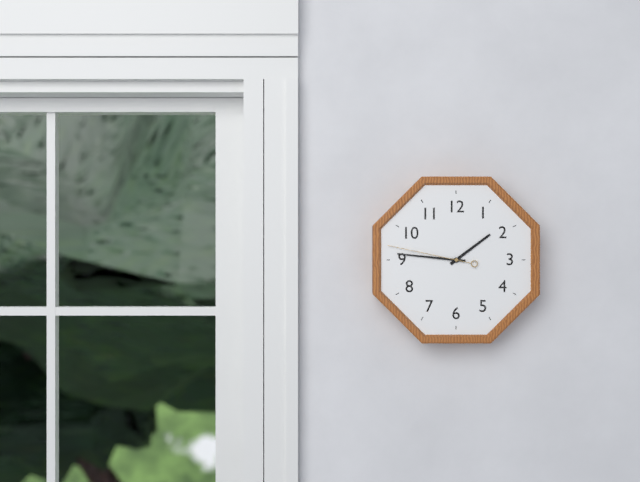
{"hour": 1, "minute": 46, "second": 47}
